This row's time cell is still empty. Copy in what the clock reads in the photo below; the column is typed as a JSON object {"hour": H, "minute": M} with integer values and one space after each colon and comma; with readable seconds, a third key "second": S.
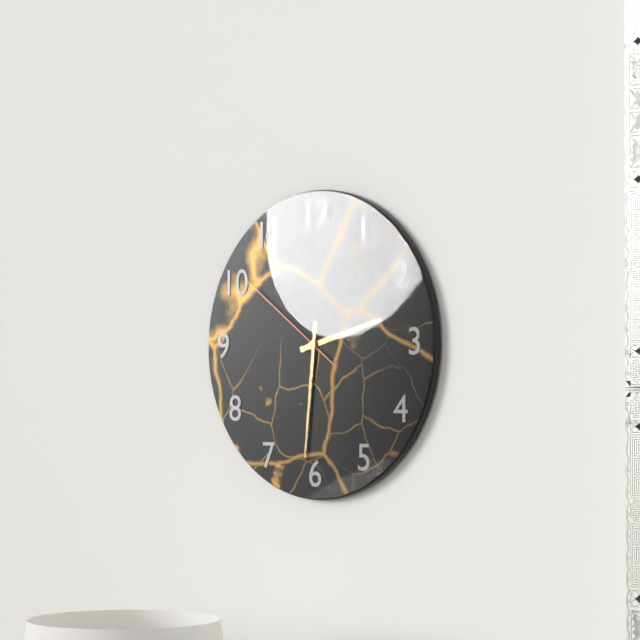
{"hour": 2, "minute": 31, "second": 51}
